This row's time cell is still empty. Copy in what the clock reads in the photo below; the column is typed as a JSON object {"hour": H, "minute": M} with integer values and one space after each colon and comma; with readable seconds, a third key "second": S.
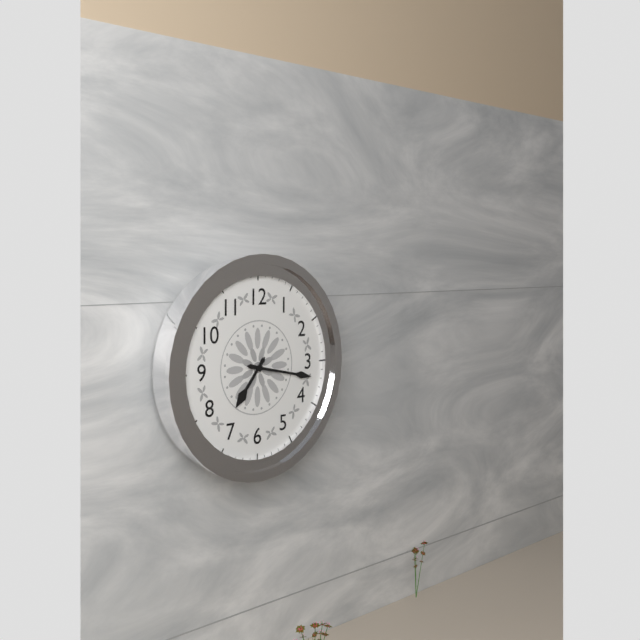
{"hour": 7, "minute": 17}
